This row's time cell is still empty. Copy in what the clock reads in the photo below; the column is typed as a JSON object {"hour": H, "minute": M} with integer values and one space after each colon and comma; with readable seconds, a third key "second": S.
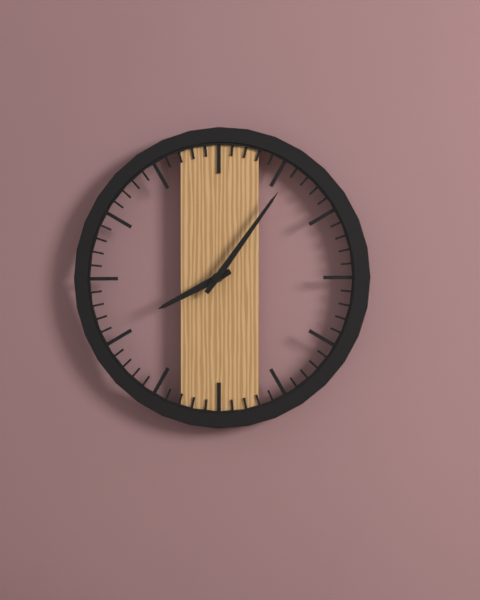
{"hour": 8, "minute": 6}
